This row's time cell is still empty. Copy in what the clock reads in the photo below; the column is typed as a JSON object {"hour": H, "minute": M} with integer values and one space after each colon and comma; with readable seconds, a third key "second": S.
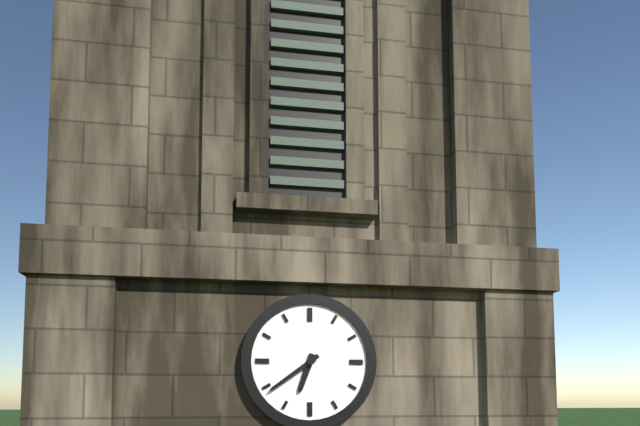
{"hour": 6, "minute": 39}
